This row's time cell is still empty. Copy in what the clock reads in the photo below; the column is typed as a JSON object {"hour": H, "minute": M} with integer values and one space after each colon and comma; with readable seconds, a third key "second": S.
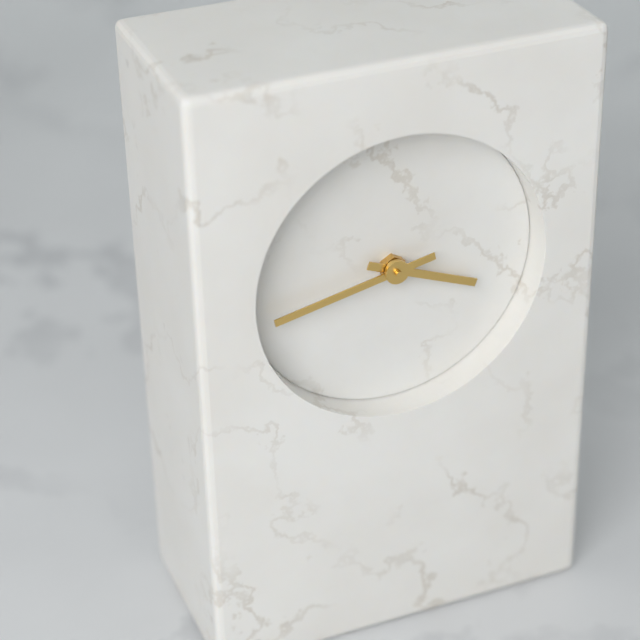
{"hour": 3, "minute": 43}
